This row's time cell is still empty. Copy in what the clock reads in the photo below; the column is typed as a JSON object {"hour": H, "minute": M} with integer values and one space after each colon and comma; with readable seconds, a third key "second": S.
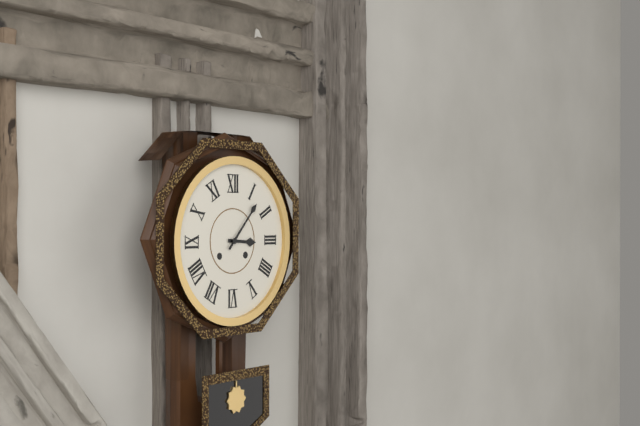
{"hour": 3, "minute": 7}
